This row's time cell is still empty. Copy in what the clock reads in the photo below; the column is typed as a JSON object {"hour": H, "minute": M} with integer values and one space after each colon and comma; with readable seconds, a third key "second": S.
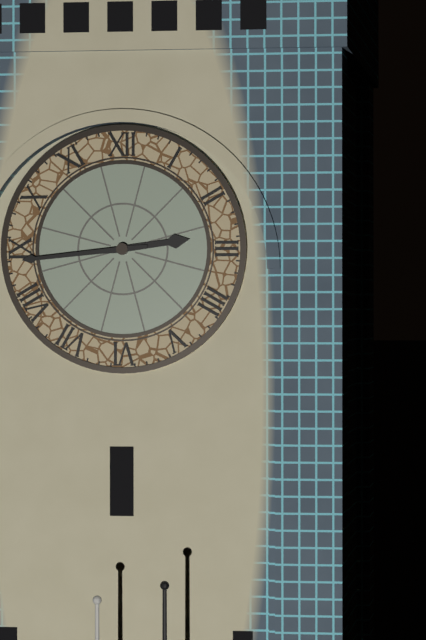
{"hour": 2, "minute": 44}
